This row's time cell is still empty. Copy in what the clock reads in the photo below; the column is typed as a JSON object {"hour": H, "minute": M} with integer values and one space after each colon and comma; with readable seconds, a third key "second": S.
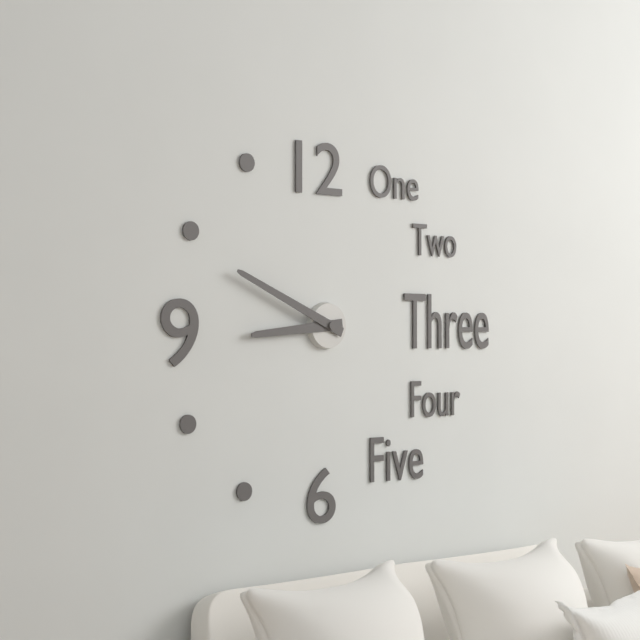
{"hour": 8, "minute": 49}
